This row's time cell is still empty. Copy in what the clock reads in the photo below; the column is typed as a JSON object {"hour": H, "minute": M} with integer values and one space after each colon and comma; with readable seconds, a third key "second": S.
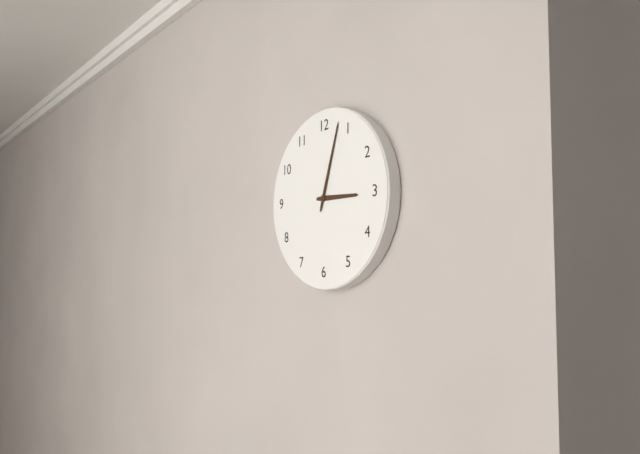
{"hour": 3, "minute": 3}
